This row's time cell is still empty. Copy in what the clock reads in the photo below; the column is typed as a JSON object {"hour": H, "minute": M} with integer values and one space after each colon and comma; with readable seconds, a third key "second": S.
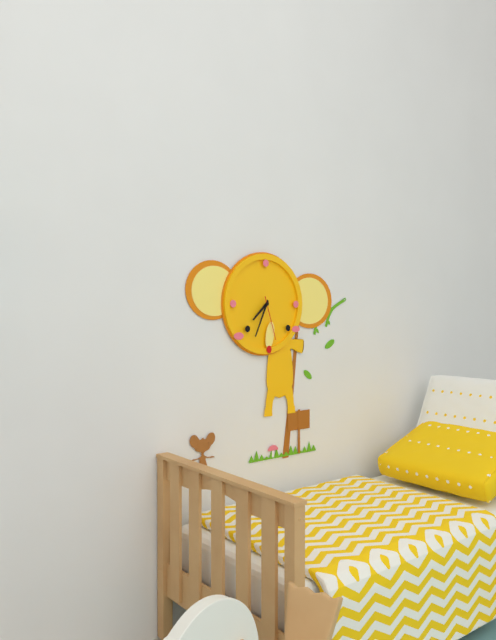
{"hour": 7, "minute": 34}
